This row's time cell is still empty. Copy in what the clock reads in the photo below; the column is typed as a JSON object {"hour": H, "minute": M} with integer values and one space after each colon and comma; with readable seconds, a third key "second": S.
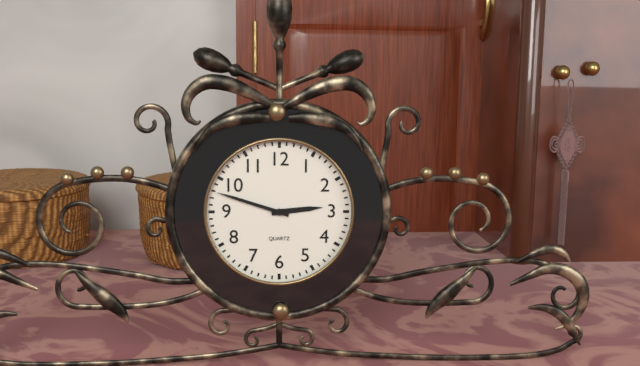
{"hour": 2, "minute": 48}
